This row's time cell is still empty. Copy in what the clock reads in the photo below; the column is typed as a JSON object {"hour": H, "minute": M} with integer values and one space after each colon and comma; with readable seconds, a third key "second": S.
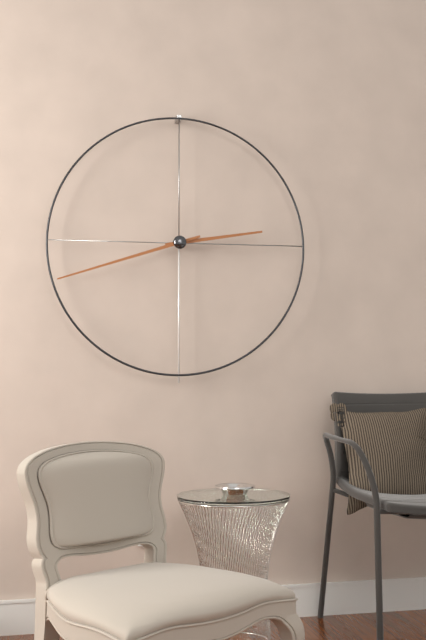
{"hour": 2, "minute": 42}
